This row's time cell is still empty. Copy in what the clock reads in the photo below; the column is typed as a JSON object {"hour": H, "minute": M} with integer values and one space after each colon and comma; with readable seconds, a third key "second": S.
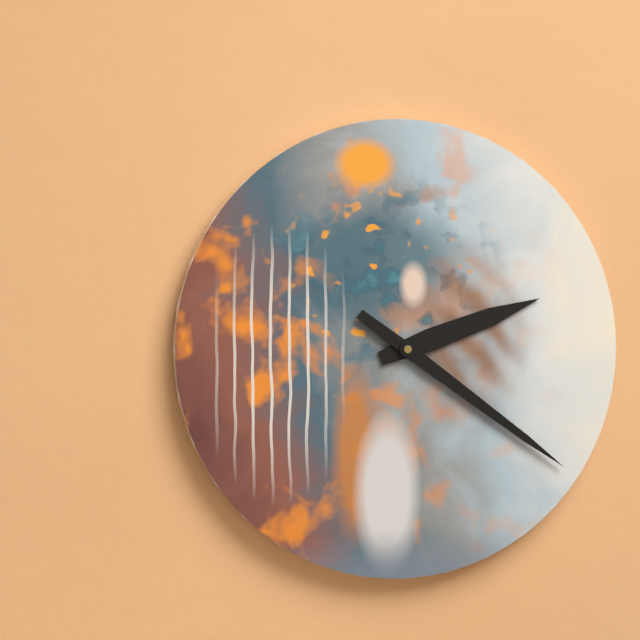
{"hour": 2, "minute": 21}
